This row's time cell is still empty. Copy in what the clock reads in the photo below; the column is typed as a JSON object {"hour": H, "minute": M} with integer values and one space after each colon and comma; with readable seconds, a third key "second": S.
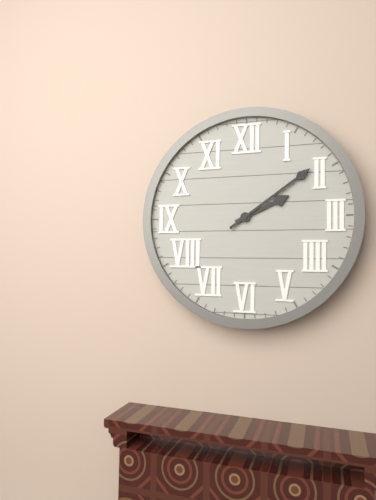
{"hour": 2, "minute": 9}
